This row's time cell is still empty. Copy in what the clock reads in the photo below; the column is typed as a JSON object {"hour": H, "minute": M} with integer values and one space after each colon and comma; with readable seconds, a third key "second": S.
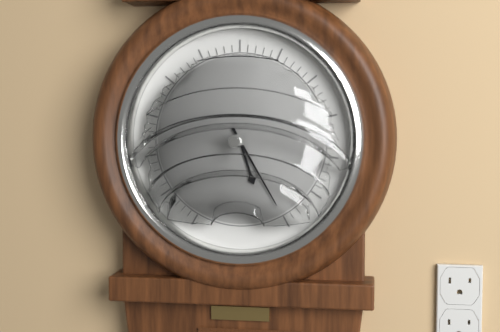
{"hour": 5, "minute": 25}
